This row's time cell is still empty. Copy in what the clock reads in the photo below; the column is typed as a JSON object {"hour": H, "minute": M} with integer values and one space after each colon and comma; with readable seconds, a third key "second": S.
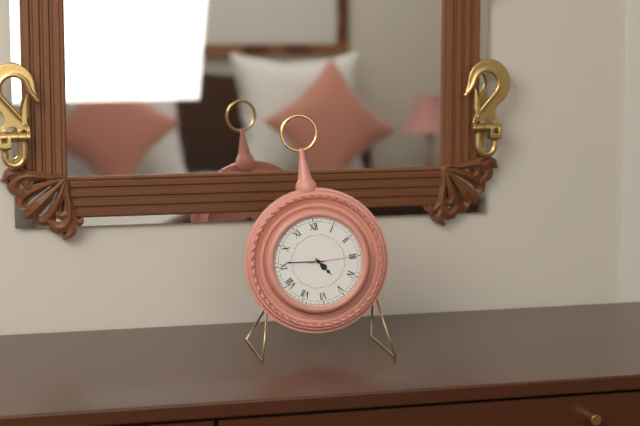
{"hour": 4, "minute": 46, "second": 15}
